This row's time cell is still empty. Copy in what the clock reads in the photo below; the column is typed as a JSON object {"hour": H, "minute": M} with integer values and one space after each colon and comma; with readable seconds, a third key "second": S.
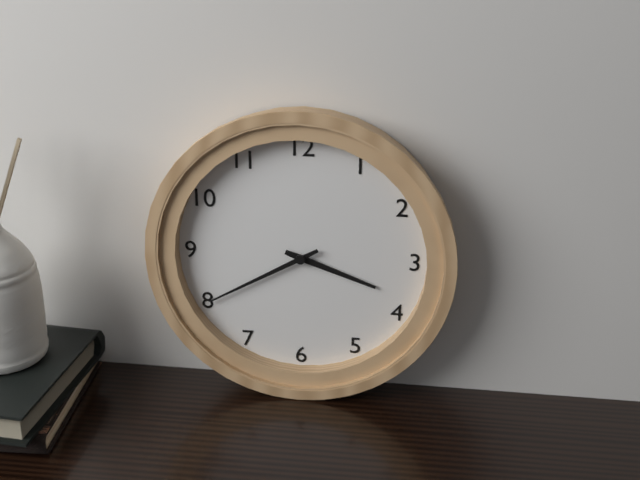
{"hour": 3, "minute": 40}
